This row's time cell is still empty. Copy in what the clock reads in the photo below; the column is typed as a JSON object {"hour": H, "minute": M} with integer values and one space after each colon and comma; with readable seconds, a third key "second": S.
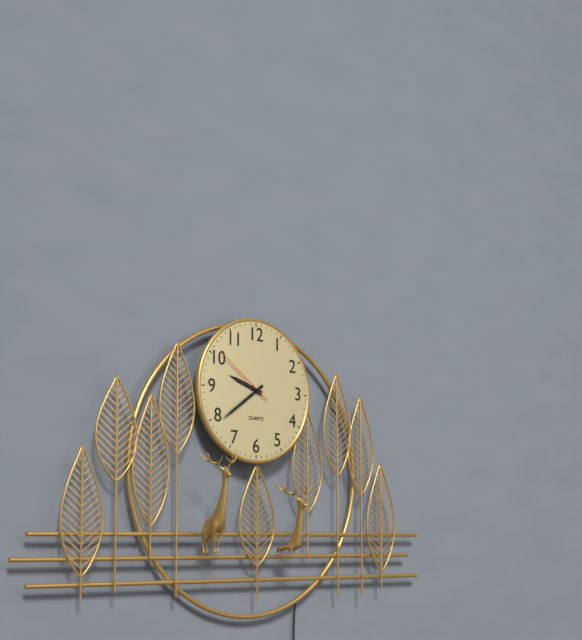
{"hour": 9, "minute": 39, "second": 51}
